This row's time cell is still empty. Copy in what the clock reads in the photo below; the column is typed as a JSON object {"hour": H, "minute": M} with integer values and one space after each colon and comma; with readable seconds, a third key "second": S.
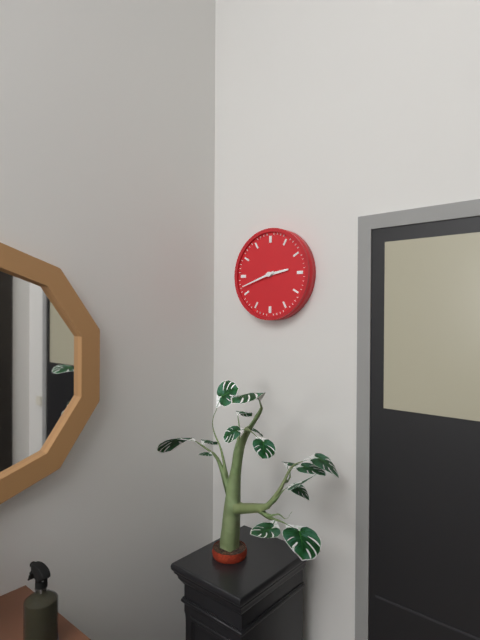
{"hour": 2, "minute": 42}
